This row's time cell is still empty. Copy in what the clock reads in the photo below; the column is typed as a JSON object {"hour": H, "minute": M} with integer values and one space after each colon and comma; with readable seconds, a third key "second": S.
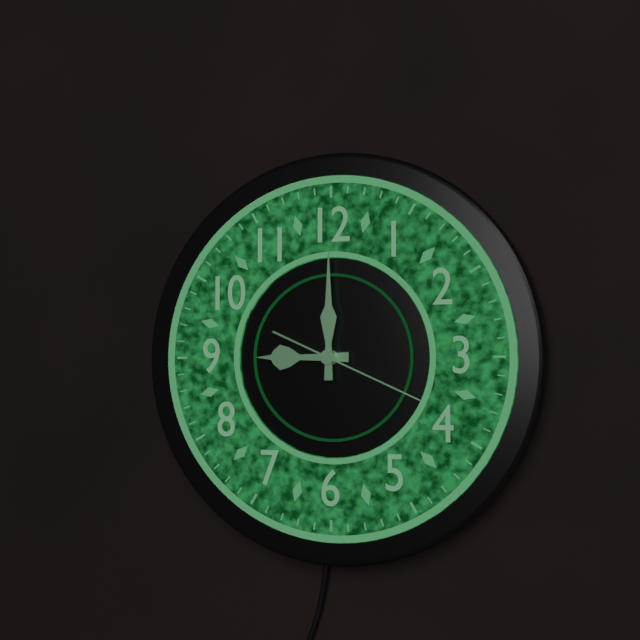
{"hour": 9, "minute": 0, "second": 19}
